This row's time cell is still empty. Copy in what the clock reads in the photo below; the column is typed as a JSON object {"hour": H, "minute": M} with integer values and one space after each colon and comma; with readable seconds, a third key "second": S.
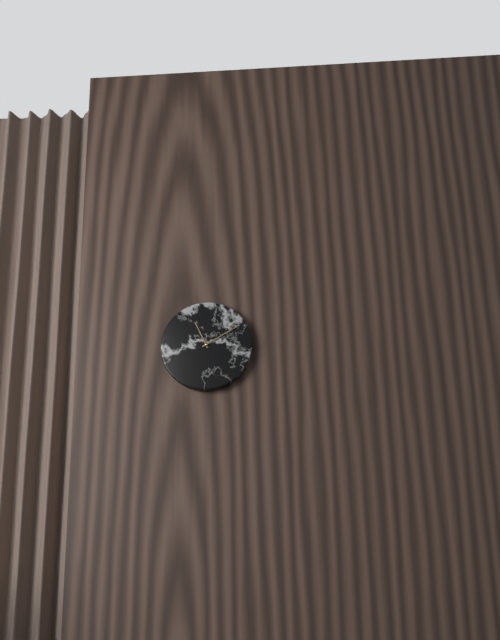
{"hour": 11, "minute": 10}
